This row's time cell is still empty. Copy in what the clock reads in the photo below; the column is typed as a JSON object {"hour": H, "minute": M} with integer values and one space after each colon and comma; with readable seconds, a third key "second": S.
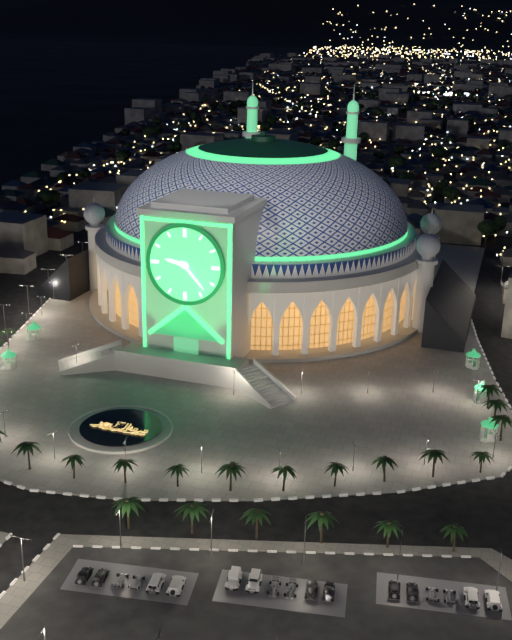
{"hour": 9, "minute": 23}
